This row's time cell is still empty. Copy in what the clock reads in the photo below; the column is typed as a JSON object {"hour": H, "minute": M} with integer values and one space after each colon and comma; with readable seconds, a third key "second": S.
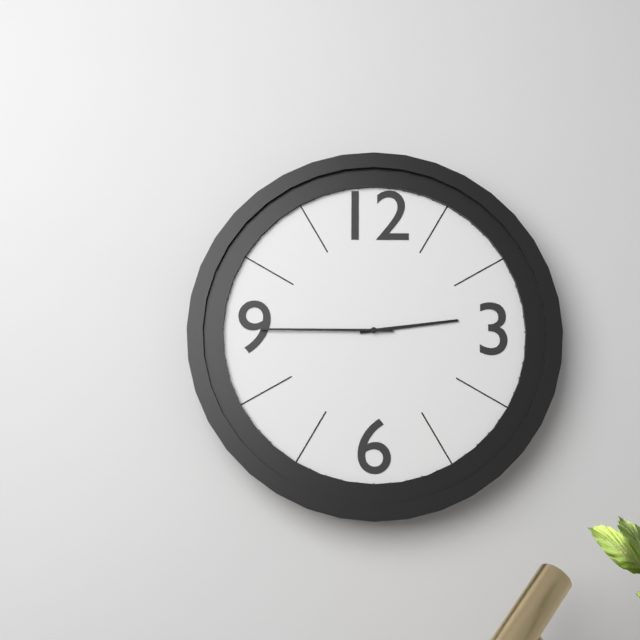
{"hour": 2, "minute": 45}
